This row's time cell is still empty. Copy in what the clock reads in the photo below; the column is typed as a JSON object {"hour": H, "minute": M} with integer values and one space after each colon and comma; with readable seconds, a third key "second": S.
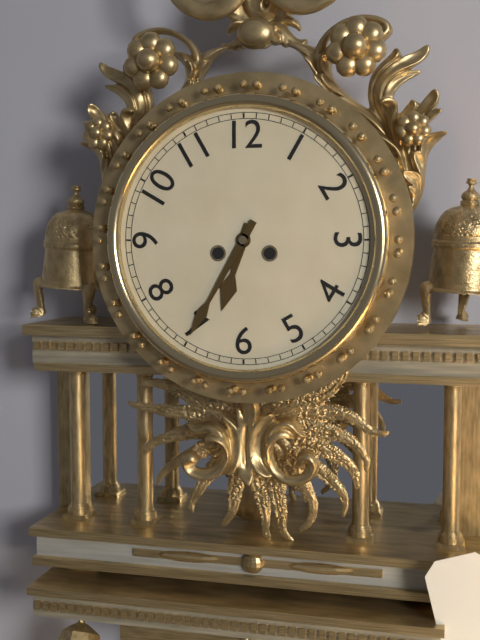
{"hour": 6, "minute": 35}
